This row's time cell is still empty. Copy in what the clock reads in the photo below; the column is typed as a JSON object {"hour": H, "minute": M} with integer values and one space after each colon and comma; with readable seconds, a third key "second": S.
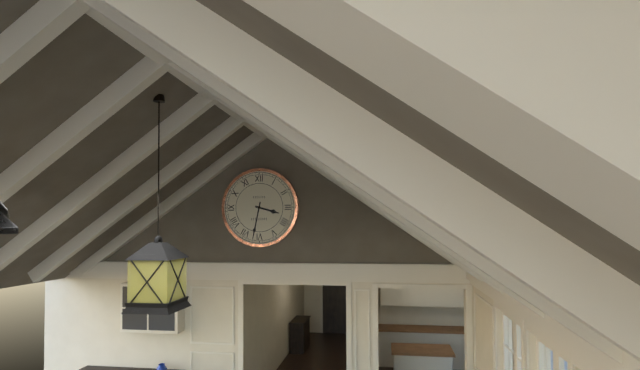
{"hour": 3, "minute": 32}
